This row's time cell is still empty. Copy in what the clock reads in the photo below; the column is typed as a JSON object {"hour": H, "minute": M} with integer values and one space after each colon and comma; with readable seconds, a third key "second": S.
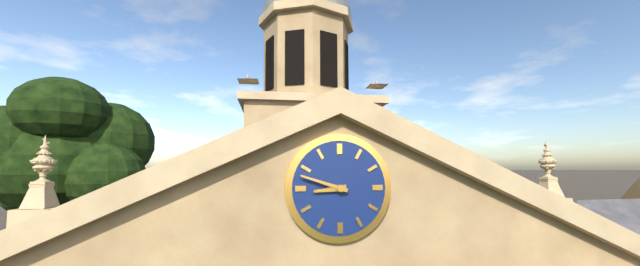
{"hour": 8, "minute": 48}
